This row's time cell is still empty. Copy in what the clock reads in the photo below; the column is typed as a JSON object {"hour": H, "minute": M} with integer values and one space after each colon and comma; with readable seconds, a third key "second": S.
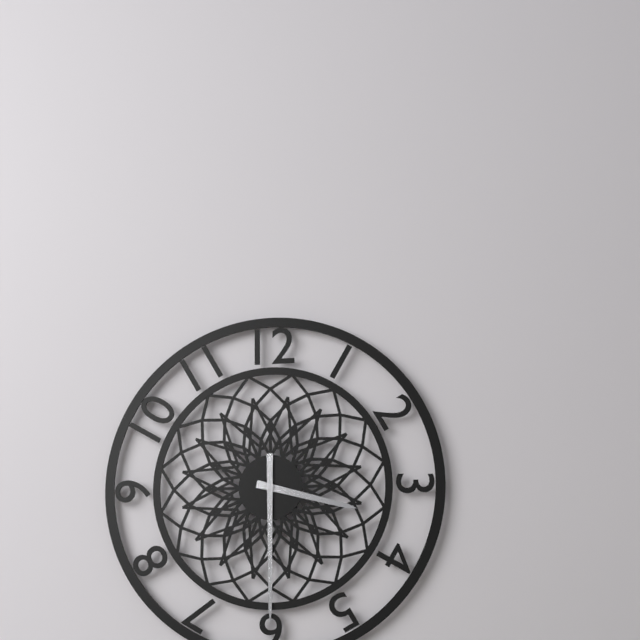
{"hour": 3, "minute": 30}
